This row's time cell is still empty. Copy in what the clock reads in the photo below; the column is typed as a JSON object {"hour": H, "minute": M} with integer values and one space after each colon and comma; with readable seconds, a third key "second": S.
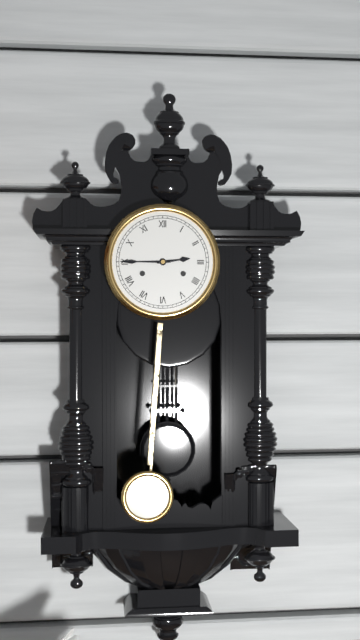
{"hour": 2, "minute": 45}
